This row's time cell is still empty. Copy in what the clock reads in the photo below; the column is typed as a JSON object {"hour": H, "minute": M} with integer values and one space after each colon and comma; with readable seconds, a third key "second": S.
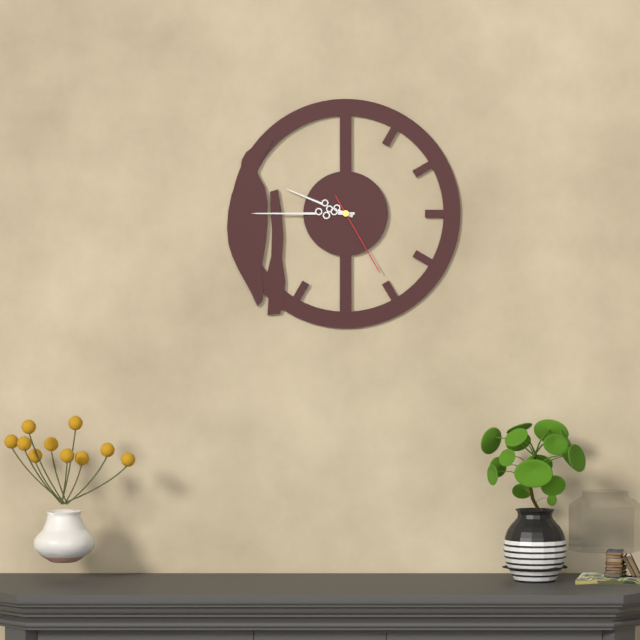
{"hour": 9, "minute": 45, "second": 25}
